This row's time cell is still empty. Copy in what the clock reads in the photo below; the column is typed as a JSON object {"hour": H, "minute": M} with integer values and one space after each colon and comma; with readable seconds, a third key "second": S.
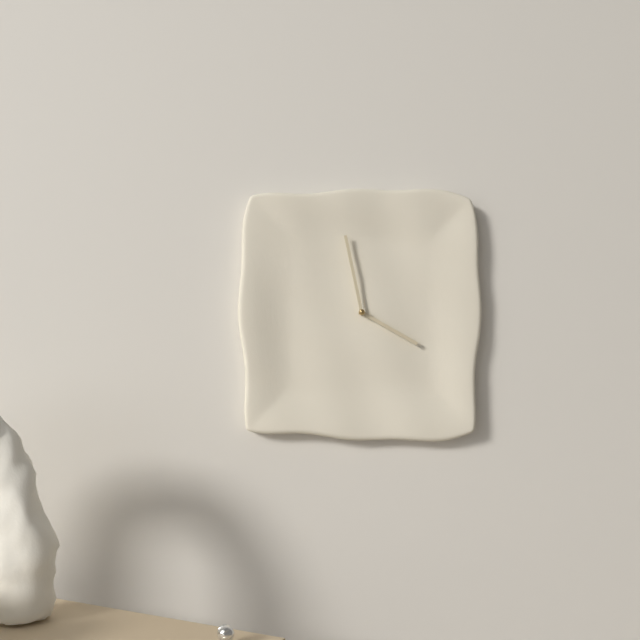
{"hour": 3, "minute": 58}
